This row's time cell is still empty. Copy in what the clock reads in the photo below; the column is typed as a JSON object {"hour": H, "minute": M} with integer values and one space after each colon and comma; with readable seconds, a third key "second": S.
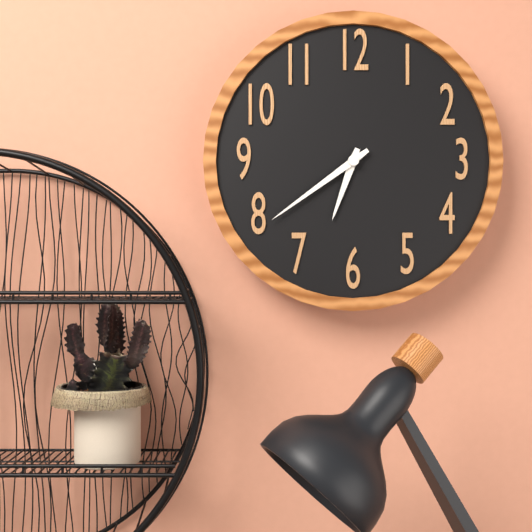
{"hour": 6, "minute": 39}
